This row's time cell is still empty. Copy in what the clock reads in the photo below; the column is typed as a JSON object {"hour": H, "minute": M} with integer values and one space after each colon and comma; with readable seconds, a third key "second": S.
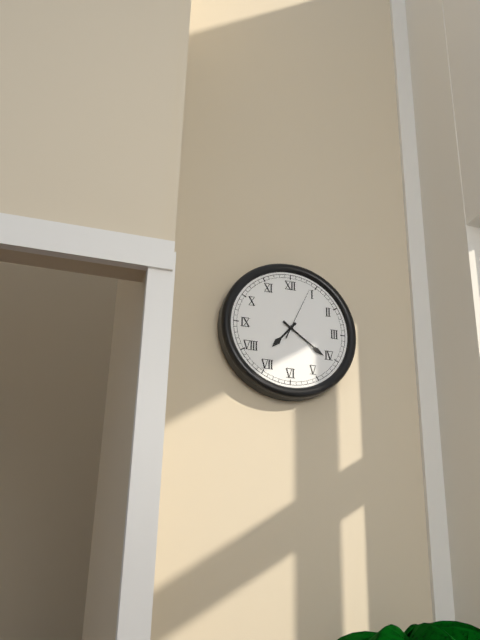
{"hour": 7, "minute": 21, "second": 4}
